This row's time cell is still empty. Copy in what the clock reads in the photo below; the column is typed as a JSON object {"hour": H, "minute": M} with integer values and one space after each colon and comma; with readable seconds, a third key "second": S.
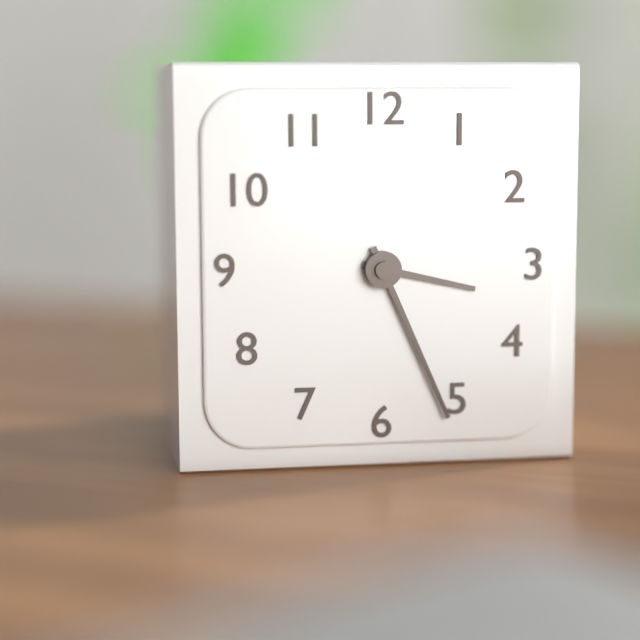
{"hour": 3, "minute": 26}
